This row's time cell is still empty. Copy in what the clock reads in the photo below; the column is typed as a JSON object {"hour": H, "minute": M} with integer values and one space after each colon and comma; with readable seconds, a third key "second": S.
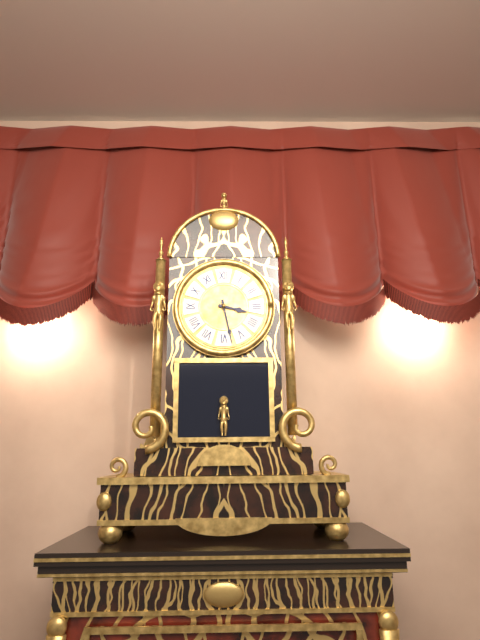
{"hour": 3, "minute": 28}
